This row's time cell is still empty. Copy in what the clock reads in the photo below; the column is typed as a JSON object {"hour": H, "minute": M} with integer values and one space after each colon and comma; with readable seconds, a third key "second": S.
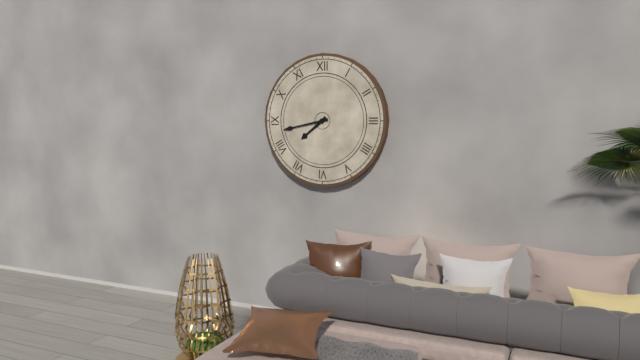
{"hour": 7, "minute": 43}
